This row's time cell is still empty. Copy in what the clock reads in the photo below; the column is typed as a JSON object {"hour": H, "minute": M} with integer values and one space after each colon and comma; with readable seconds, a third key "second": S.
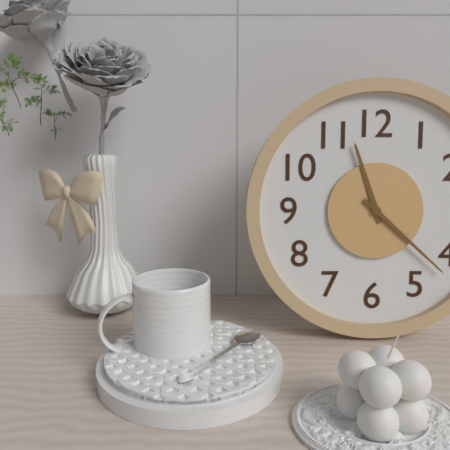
{"hour": 11, "minute": 22}
